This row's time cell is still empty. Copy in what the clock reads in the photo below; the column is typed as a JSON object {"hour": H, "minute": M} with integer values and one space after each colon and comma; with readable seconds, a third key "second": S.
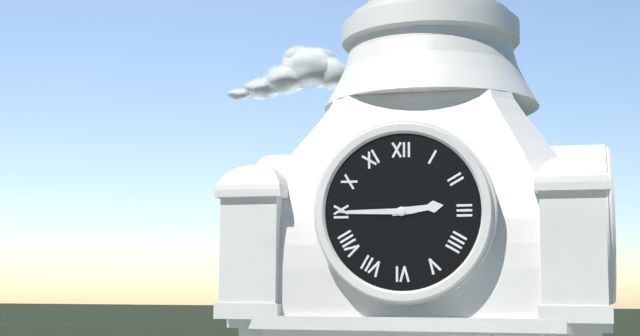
{"hour": 2, "minute": 45}
